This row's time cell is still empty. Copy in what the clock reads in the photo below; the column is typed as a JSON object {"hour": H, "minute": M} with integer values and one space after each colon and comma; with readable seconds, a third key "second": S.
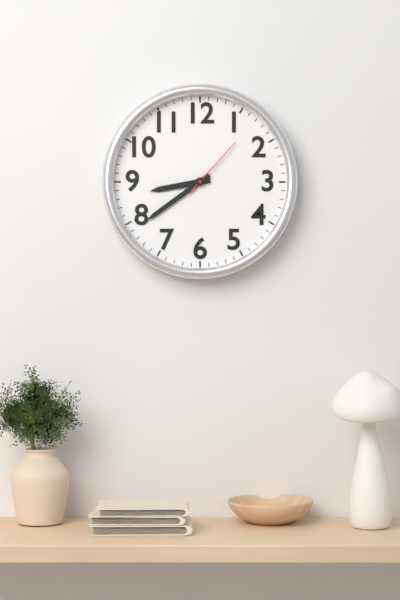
{"hour": 8, "minute": 39, "second": 7}
